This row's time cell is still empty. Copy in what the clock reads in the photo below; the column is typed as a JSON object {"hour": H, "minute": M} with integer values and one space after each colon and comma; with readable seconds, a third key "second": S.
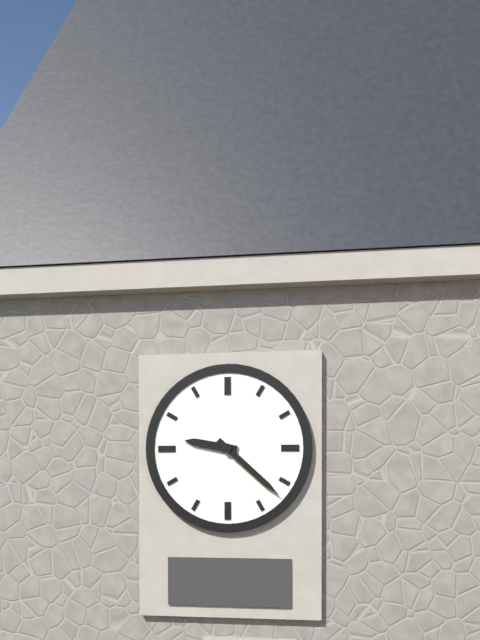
{"hour": 9, "minute": 22}
